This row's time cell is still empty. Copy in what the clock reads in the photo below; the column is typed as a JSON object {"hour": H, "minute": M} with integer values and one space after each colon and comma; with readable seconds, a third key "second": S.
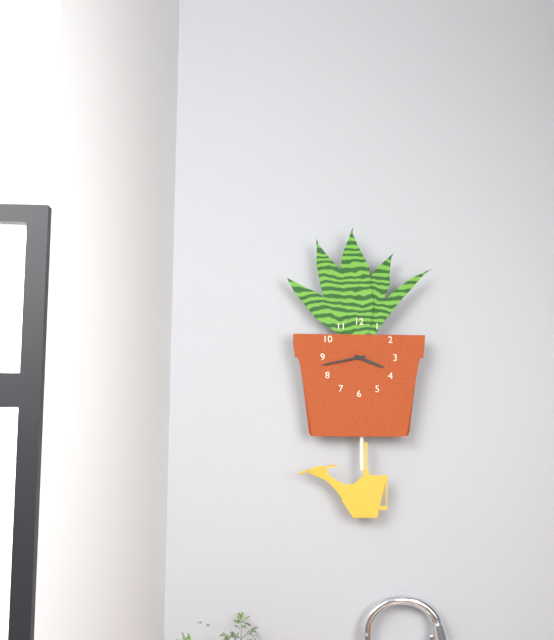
{"hour": 3, "minute": 43}
